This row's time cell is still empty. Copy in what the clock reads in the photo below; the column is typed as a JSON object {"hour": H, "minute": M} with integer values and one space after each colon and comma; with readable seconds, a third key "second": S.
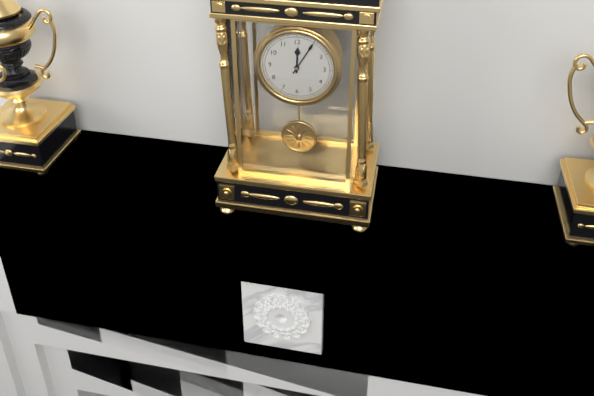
{"hour": 12, "minute": 5}
